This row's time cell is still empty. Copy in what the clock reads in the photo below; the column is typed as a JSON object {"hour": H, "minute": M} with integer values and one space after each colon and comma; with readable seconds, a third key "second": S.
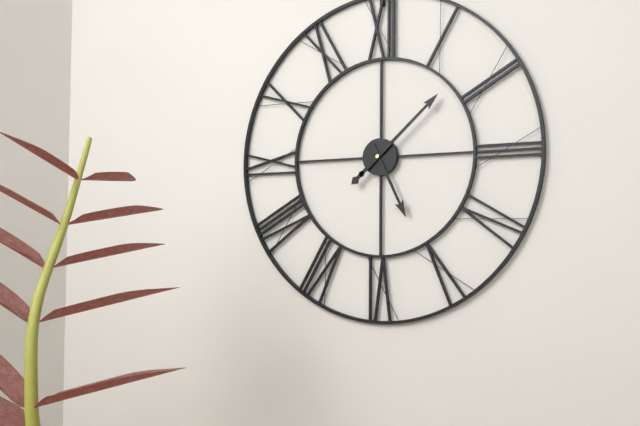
{"hour": 5, "minute": 8}
